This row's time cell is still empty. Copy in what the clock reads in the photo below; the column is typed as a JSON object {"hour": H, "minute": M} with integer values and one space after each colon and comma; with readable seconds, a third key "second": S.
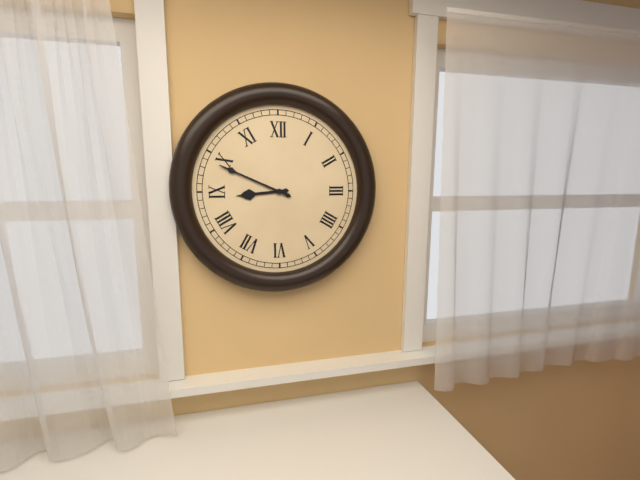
{"hour": 8, "minute": 49}
